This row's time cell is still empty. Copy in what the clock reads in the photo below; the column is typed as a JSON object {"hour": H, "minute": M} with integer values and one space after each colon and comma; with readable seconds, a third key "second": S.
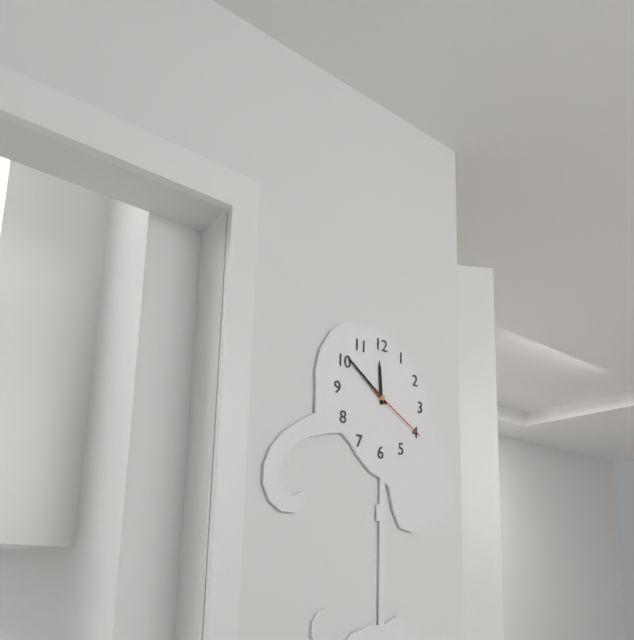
{"hour": 11, "minute": 51, "second": 20}
